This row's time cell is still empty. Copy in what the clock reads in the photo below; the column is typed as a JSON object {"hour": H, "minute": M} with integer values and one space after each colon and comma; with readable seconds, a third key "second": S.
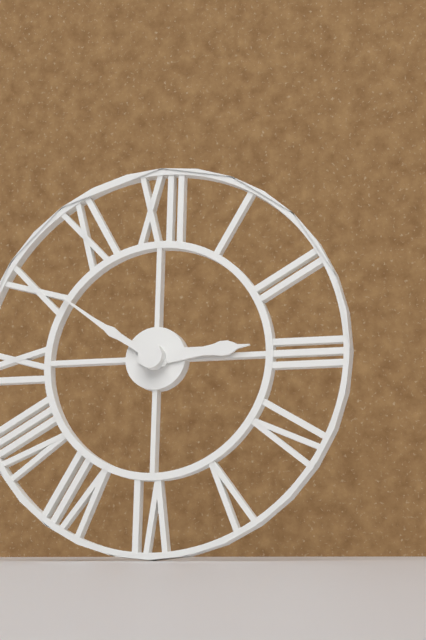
{"hour": 2, "minute": 50}
